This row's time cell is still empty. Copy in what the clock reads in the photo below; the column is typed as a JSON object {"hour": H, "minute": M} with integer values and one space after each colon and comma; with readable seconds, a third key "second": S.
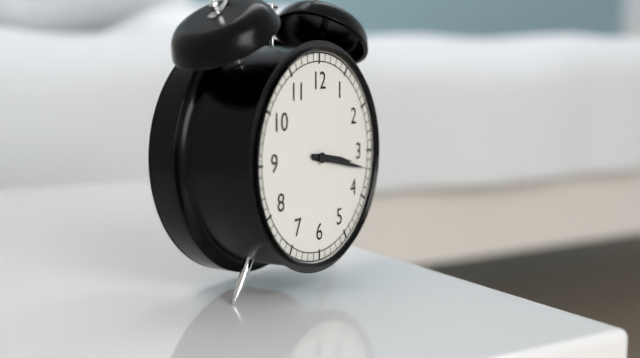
{"hour": 3, "minute": 17}
